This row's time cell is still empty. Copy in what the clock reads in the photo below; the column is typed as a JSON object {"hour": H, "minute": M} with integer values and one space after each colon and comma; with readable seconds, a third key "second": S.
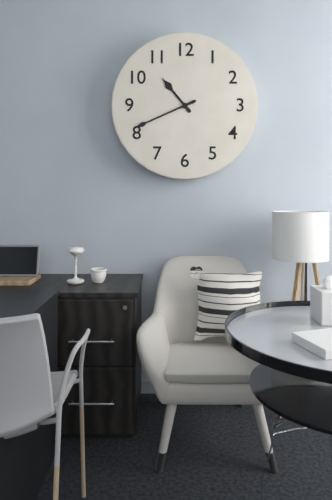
{"hour": 10, "minute": 41}
